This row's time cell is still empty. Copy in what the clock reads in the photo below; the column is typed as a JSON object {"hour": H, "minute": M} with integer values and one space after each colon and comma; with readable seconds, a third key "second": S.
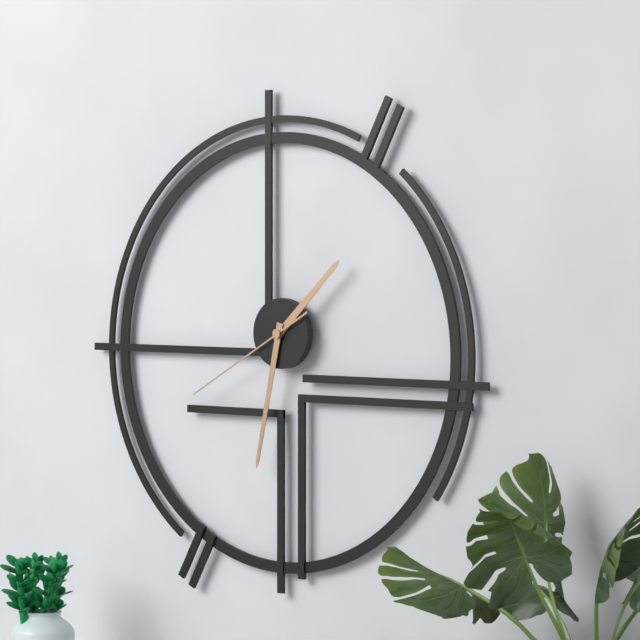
{"hour": 1, "minute": 32, "second": 40}
